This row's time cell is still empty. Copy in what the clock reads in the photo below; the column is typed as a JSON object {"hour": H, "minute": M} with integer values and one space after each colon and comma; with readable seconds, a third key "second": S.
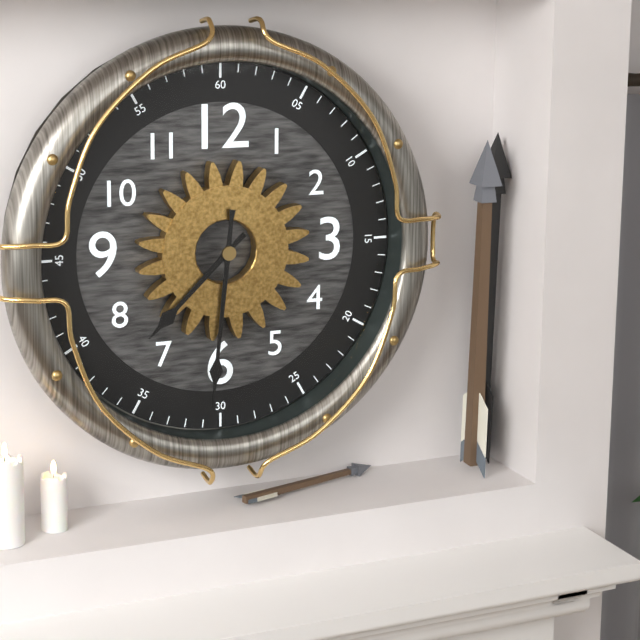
{"hour": 7, "minute": 31}
